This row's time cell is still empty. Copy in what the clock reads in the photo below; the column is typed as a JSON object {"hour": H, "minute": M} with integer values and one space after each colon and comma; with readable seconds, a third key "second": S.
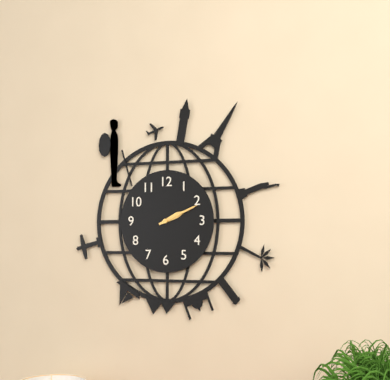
{"hour": 2, "minute": 11}
